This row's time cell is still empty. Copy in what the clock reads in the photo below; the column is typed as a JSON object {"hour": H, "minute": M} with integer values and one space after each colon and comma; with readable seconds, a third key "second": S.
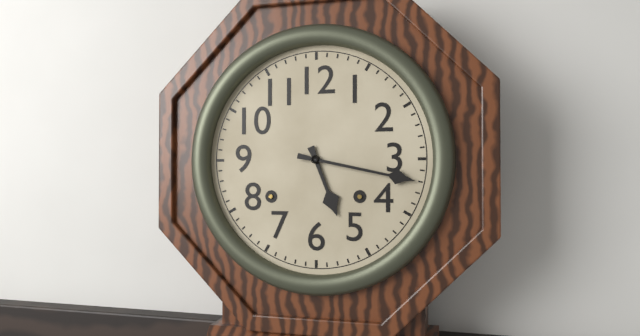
{"hour": 5, "minute": 17}
